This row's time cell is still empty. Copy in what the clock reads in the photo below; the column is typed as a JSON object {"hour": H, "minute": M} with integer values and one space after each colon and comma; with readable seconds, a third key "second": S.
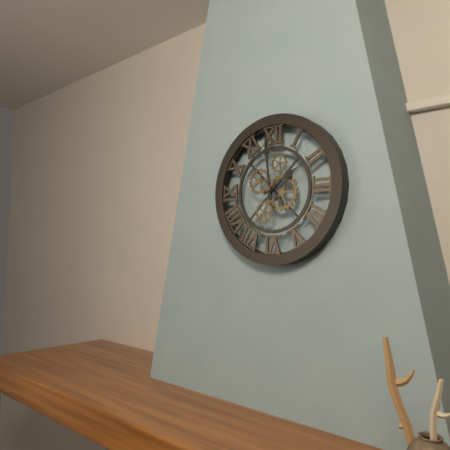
{"hour": 1, "minute": 59}
